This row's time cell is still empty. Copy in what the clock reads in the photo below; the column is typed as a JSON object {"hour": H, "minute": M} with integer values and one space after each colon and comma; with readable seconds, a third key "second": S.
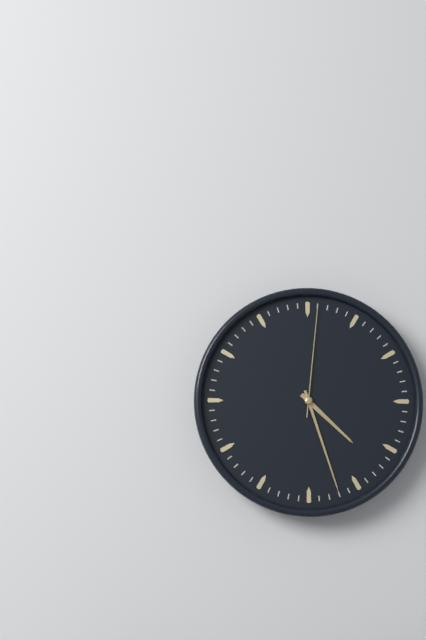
{"hour": 4, "minute": 27, "second": 1}
